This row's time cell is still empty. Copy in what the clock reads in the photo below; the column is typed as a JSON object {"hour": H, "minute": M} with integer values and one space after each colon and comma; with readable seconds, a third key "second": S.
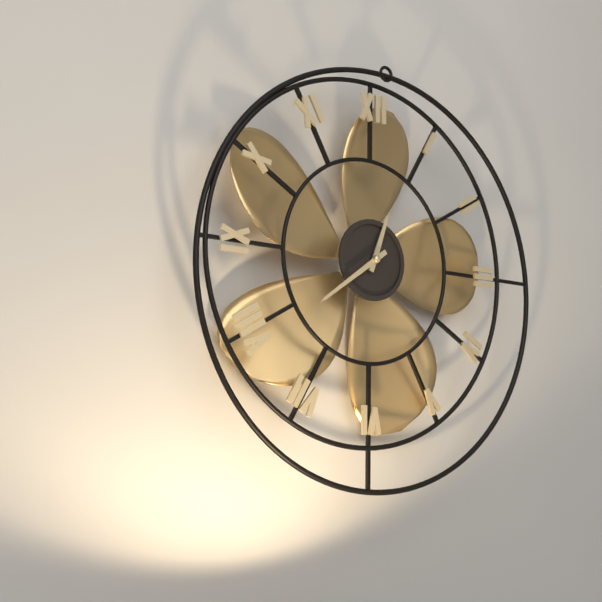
{"hour": 12, "minute": 39}
